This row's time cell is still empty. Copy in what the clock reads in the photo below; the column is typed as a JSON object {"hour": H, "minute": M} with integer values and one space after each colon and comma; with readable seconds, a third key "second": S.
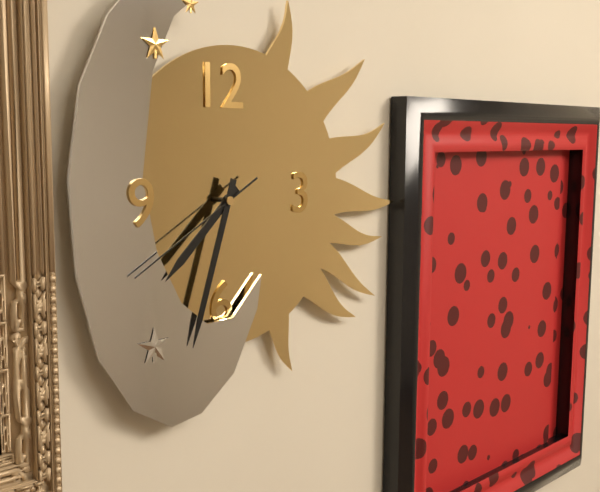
{"hour": 7, "minute": 33, "second": 40}
